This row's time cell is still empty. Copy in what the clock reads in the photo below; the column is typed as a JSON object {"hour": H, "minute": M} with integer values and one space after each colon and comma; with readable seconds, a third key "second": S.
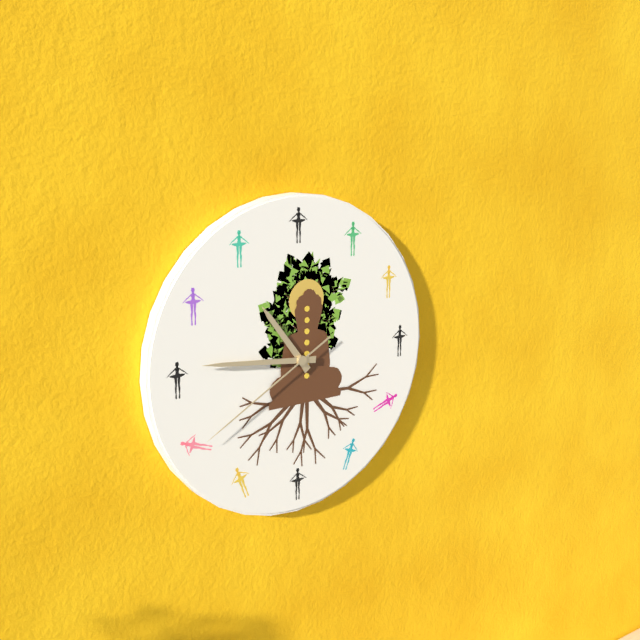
{"hour": 10, "minute": 46, "second": 40}
